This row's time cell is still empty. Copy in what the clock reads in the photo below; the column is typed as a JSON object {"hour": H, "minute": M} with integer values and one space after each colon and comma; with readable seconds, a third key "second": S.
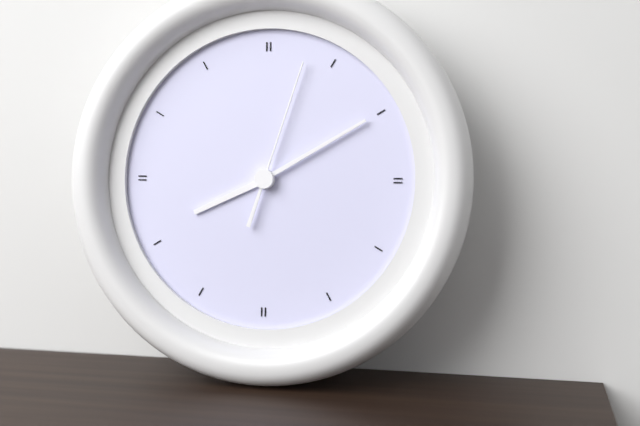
{"hour": 8, "minute": 10, "second": 3}
